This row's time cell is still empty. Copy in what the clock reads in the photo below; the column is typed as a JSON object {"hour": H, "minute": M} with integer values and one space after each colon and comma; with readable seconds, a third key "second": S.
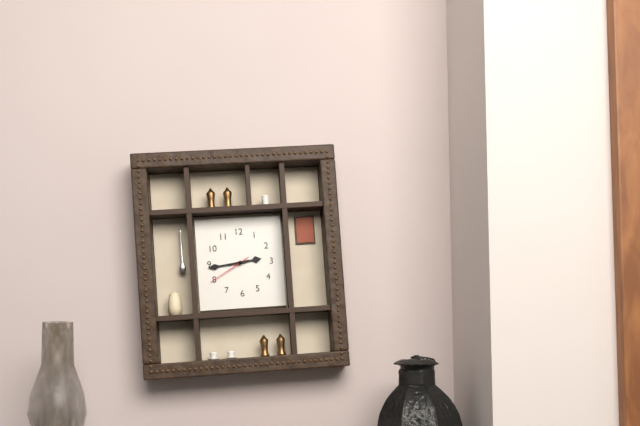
{"hour": 2, "minute": 44}
